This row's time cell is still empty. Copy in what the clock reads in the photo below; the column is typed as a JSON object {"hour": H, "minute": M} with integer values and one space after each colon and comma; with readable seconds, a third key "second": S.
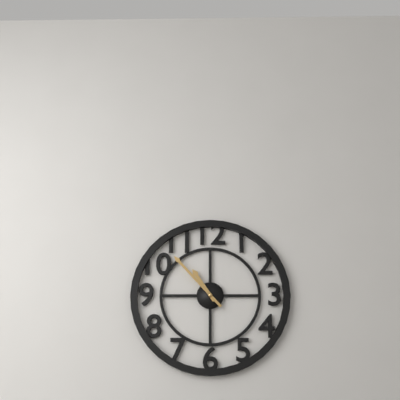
{"hour": 10, "minute": 53}
